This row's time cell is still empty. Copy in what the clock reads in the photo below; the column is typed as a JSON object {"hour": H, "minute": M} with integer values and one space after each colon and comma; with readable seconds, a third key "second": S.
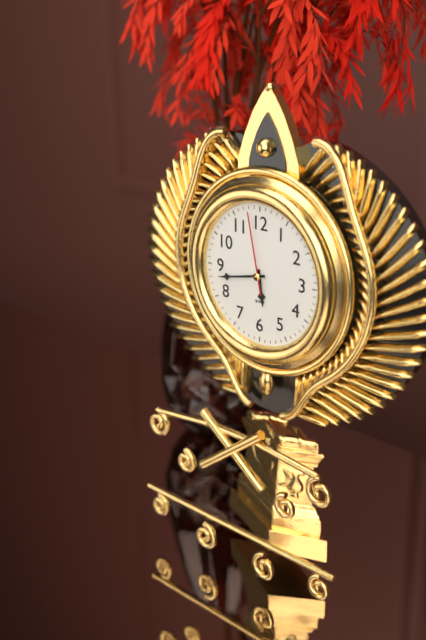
{"hour": 5, "minute": 43, "second": 58}
